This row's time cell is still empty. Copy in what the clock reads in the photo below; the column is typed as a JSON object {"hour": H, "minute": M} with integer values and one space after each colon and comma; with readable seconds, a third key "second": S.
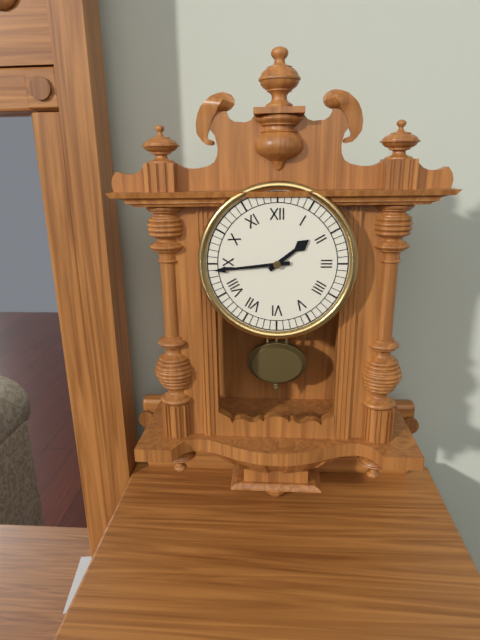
{"hour": 1, "minute": 44}
